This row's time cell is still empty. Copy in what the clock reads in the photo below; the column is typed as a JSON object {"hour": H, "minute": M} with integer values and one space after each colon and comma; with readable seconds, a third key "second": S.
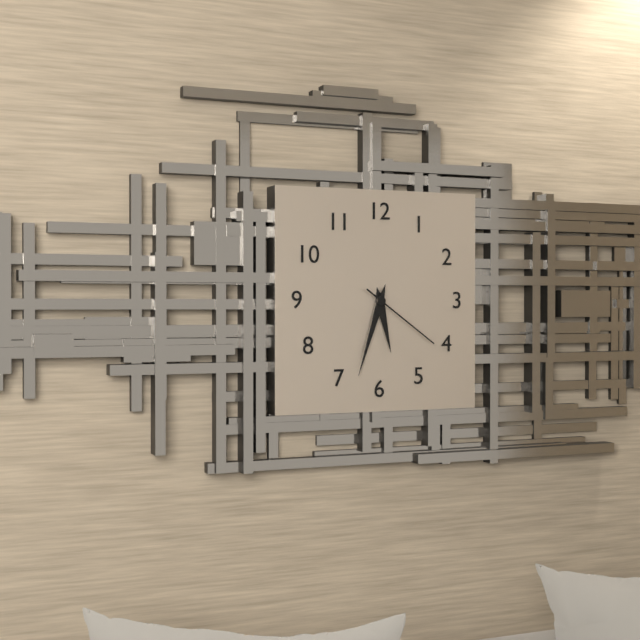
{"hour": 5, "minute": 33, "second": 21}
